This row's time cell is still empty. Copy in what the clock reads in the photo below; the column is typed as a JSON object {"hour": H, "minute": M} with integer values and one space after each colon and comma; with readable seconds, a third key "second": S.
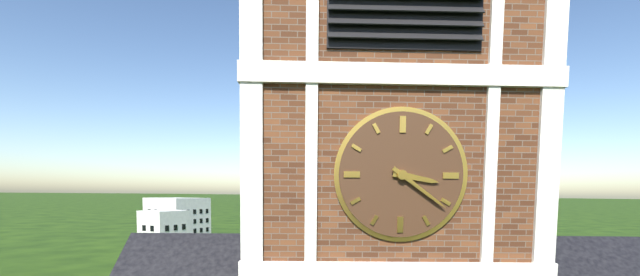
{"hour": 3, "minute": 21}
